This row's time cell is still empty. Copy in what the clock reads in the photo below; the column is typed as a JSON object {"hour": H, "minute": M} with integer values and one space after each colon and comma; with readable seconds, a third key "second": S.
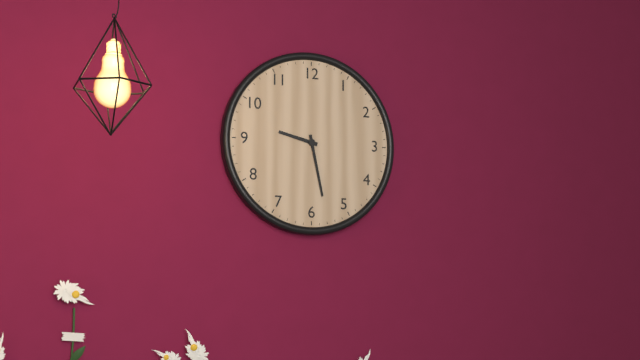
{"hour": 9, "minute": 28}
